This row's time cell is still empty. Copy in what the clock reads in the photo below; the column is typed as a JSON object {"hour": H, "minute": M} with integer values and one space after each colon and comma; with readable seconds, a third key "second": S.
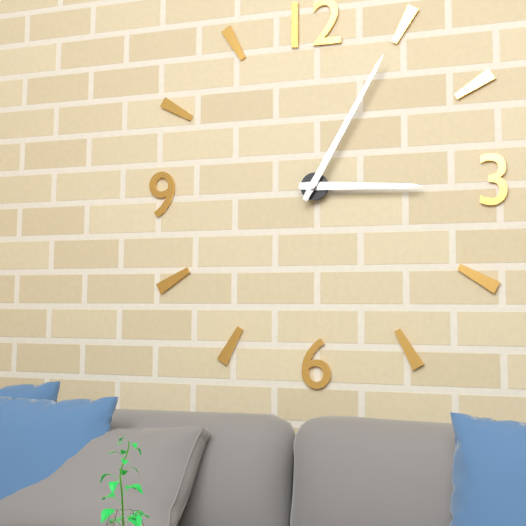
{"hour": 3, "minute": 5}
